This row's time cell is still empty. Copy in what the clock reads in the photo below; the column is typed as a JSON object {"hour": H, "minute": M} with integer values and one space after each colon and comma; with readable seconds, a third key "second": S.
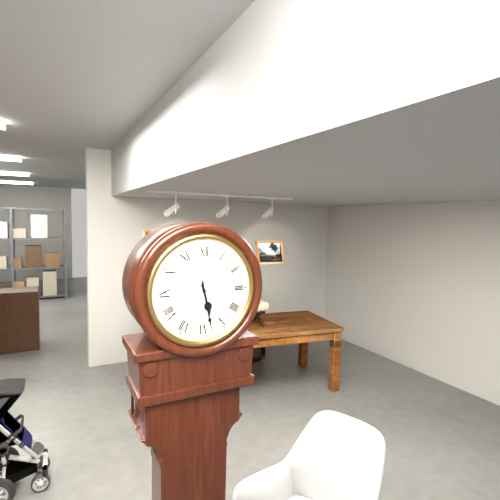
{"hour": 5, "minute": 28}
